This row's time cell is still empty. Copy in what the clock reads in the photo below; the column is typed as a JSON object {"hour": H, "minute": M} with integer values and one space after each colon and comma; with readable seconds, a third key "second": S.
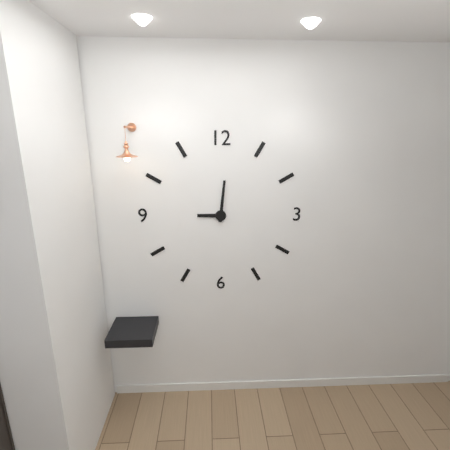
{"hour": 9, "minute": 1}
